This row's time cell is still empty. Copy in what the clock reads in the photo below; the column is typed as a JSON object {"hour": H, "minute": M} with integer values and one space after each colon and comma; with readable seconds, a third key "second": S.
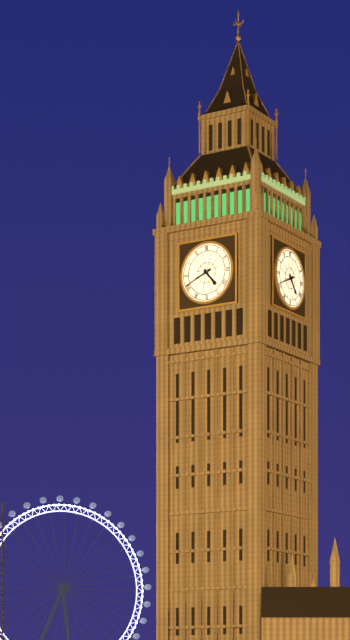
{"hour": 4, "minute": 41}
